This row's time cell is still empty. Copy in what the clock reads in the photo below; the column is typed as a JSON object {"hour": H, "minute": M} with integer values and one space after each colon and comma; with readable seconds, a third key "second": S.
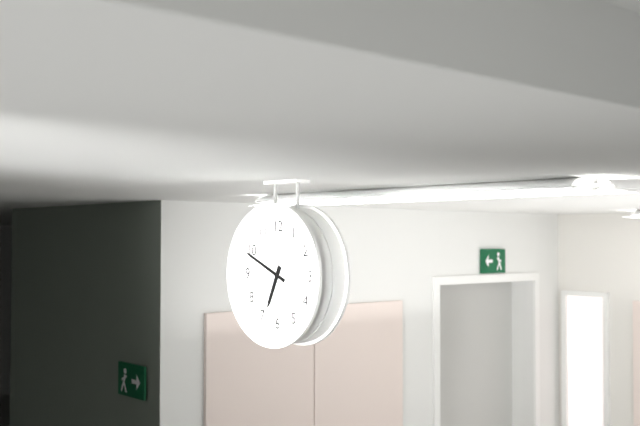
{"hour": 6, "minute": 49}
